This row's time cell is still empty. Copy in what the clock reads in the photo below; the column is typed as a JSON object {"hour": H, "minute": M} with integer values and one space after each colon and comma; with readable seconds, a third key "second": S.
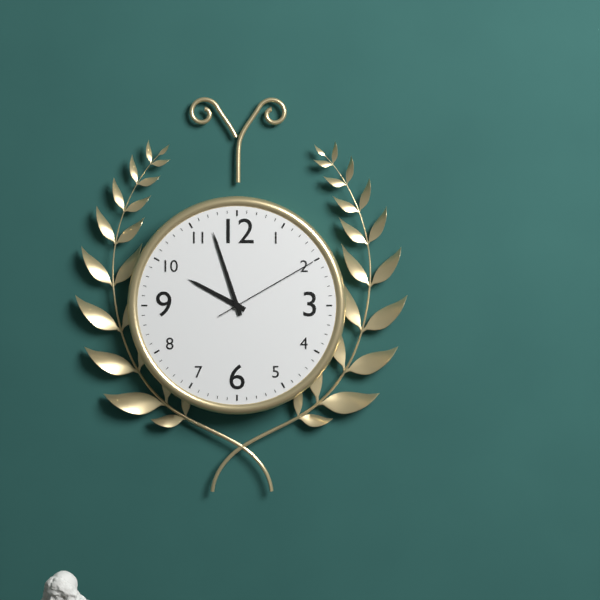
{"hour": 9, "minute": 57, "second": 10}
